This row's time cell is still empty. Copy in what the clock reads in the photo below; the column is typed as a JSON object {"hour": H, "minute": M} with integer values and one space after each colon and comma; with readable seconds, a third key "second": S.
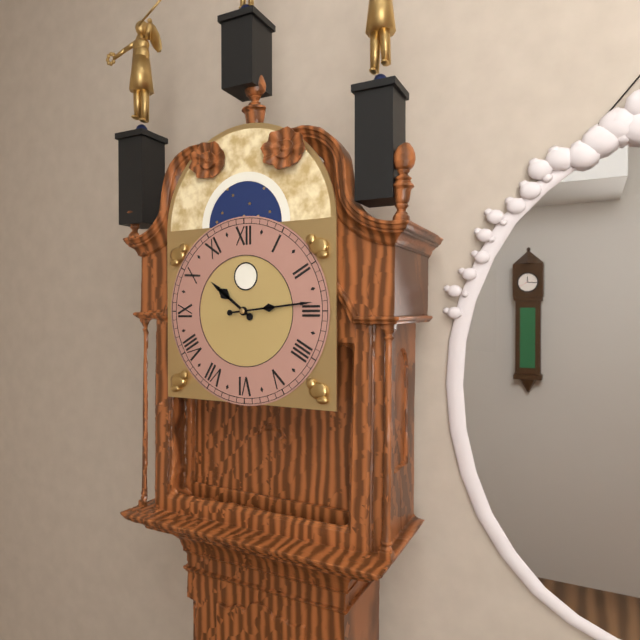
{"hour": 10, "minute": 14}
